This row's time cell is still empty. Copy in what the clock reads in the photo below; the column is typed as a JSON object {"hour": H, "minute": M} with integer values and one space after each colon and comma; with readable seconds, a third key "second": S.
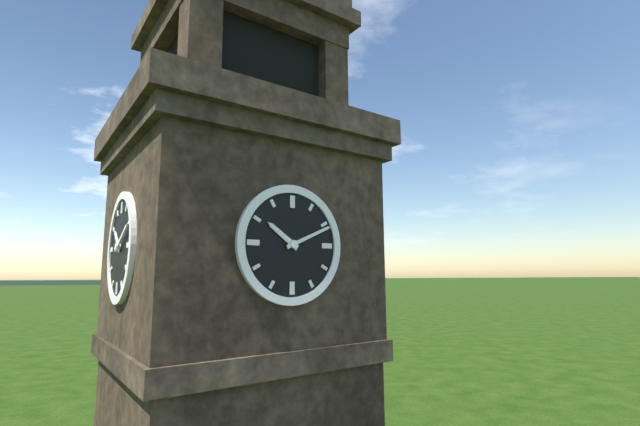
{"hour": 10, "minute": 11}
